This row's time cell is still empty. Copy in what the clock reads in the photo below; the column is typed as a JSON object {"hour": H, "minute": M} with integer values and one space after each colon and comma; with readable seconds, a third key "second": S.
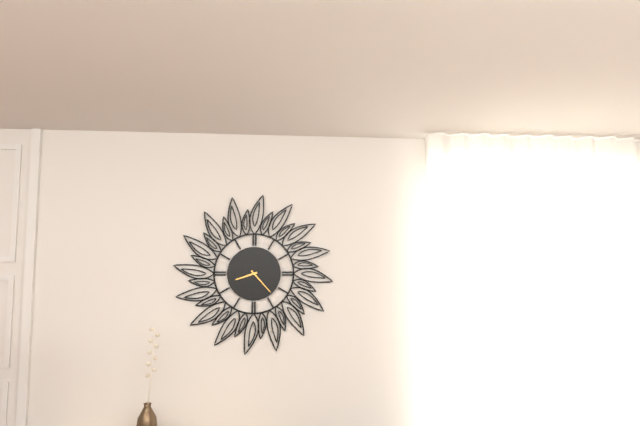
{"hour": 8, "minute": 23}
